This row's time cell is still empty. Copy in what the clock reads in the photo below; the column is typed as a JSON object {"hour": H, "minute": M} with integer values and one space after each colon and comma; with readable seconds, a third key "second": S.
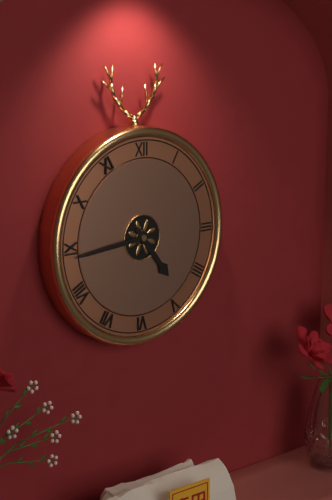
{"hour": 4, "minute": 44}
